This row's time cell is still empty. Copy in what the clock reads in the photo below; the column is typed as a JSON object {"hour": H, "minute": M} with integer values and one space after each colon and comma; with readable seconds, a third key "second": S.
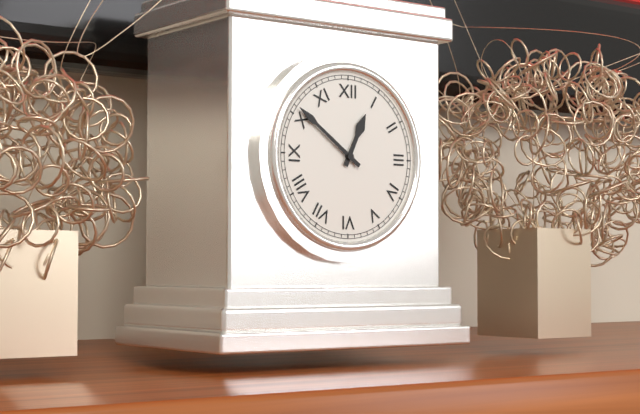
{"hour": 12, "minute": 51}
